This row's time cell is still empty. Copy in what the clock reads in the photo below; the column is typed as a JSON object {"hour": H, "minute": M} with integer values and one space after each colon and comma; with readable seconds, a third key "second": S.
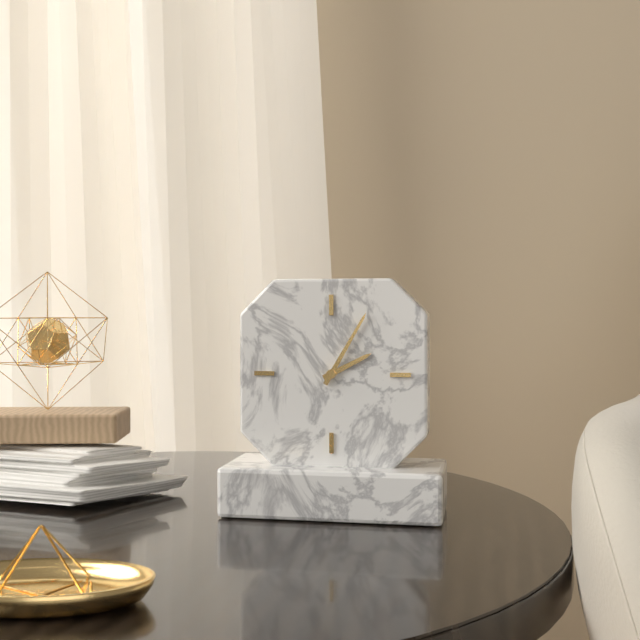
{"hour": 2, "minute": 5}
